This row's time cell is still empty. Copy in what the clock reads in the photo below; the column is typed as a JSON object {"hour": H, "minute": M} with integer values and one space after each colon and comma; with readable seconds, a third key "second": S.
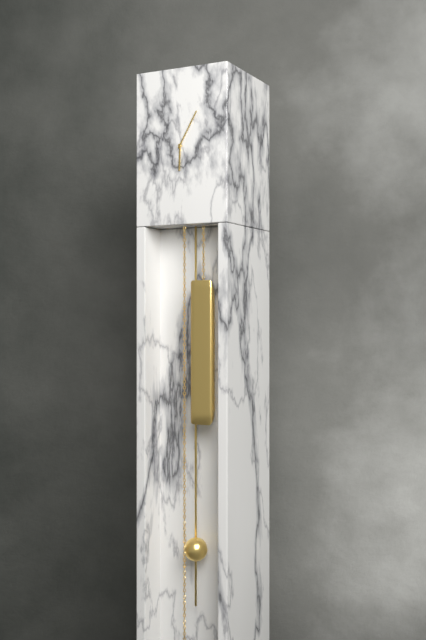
{"hour": 6, "minute": 5}
